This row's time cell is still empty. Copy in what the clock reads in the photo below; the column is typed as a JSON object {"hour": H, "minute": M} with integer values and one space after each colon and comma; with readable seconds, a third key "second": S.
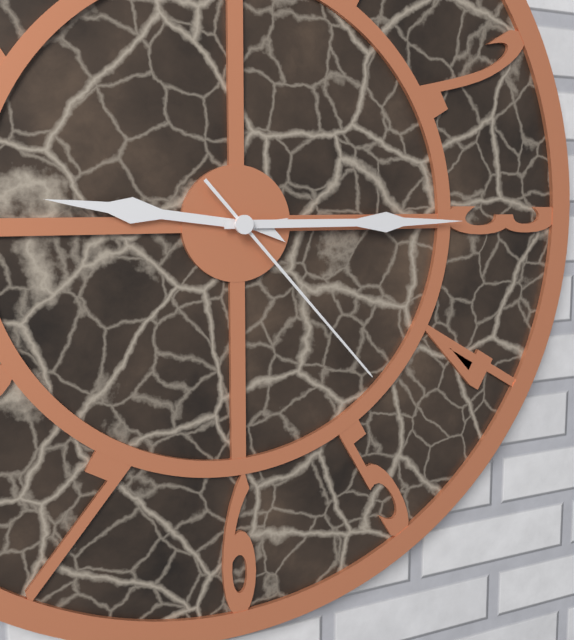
{"hour": 9, "minute": 15, "second": 23}
